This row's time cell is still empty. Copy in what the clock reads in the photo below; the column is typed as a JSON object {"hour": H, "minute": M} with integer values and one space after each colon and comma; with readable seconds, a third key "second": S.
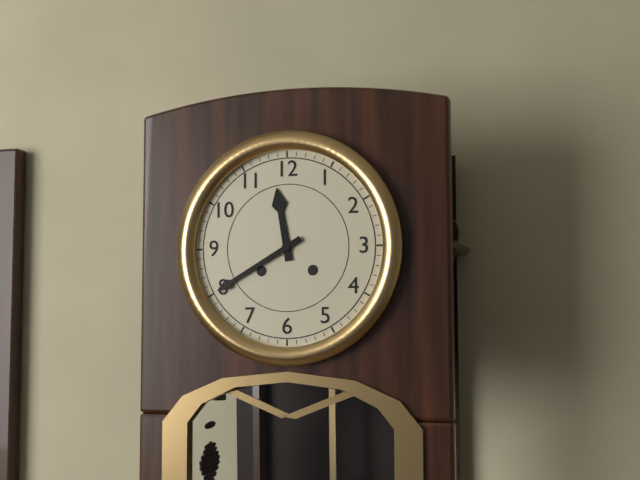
{"hour": 11, "minute": 40}
